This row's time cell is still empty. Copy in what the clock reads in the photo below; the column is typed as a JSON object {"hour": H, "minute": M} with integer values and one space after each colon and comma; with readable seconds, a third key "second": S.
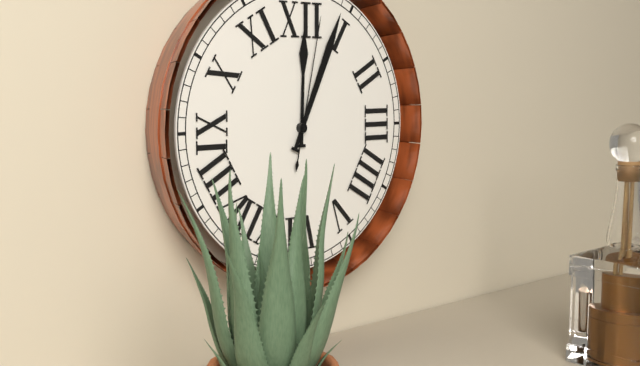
{"hour": 12, "minute": 4, "second": 2}
